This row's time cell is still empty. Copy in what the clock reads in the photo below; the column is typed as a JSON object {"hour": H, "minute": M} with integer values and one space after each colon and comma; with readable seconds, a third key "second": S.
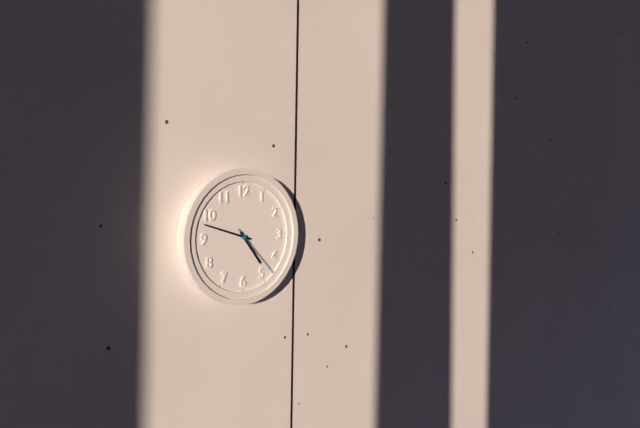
{"hour": 4, "minute": 48, "second": 23}
